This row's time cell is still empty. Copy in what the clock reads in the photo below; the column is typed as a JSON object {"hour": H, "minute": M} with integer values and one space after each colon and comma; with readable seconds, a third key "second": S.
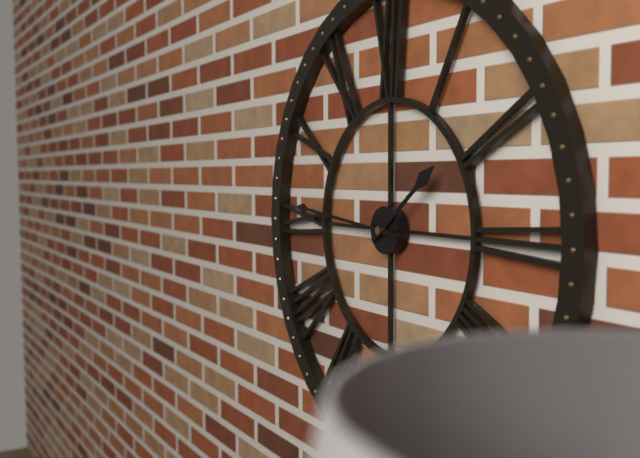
{"hour": 1, "minute": 46}
